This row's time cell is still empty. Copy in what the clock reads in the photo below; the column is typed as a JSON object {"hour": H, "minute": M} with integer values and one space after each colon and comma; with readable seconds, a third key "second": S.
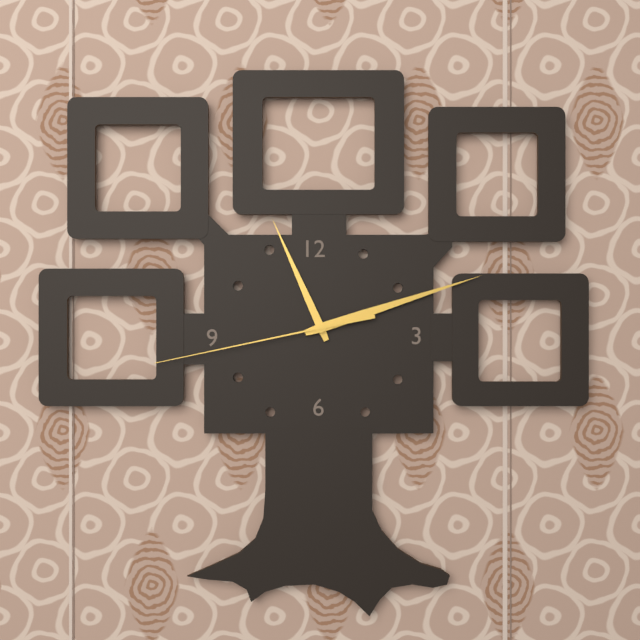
{"hour": 11, "minute": 12, "second": 43}
